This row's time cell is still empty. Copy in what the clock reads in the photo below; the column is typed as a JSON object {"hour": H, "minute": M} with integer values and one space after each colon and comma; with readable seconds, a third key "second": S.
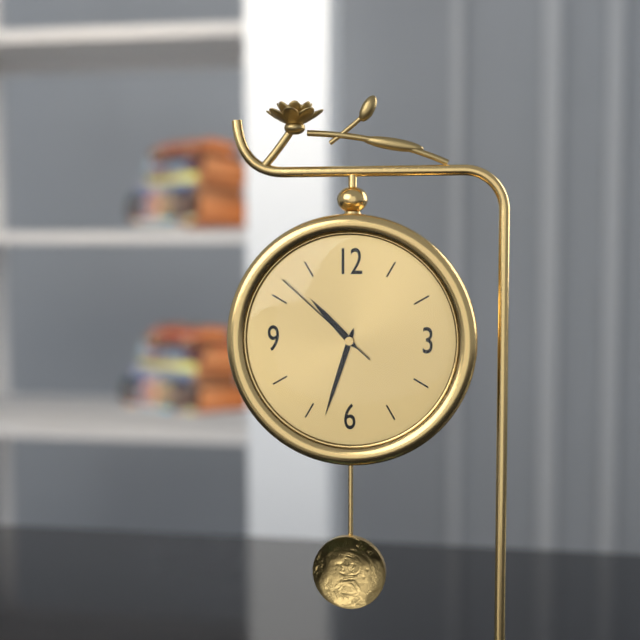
{"hour": 10, "minute": 33, "second": 52}
